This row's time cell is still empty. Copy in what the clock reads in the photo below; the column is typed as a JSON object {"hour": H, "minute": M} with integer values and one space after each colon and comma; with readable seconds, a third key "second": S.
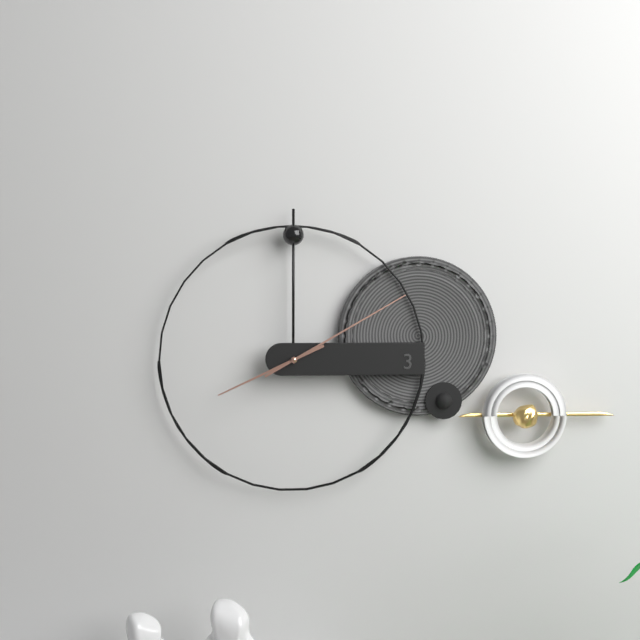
{"hour": 8, "minute": 10}
